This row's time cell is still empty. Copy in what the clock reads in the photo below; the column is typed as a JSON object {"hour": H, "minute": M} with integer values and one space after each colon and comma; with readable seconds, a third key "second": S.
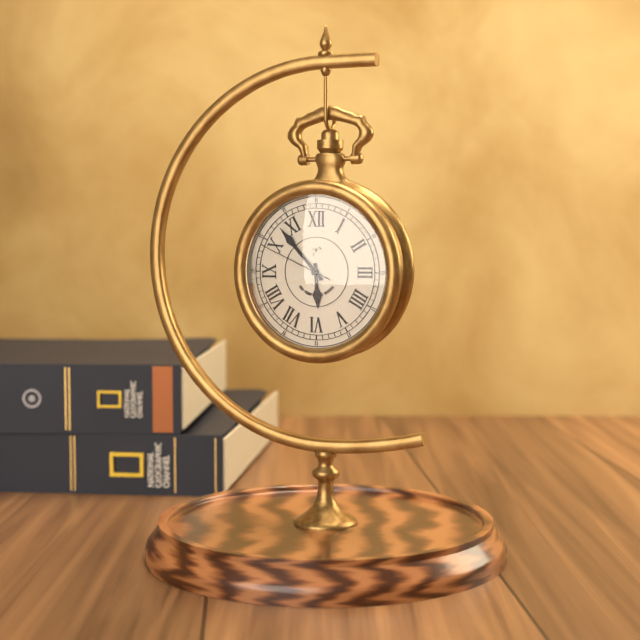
{"hour": 5, "minute": 53, "second": 49}
